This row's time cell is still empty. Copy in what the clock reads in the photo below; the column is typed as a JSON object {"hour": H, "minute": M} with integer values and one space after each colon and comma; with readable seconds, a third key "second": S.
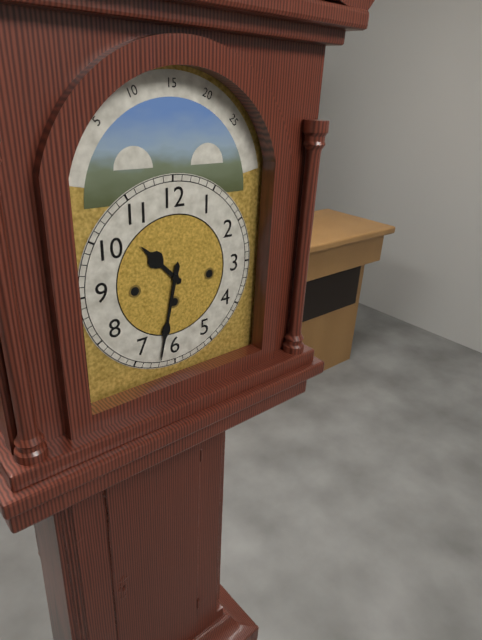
{"hour": 10, "minute": 32}
